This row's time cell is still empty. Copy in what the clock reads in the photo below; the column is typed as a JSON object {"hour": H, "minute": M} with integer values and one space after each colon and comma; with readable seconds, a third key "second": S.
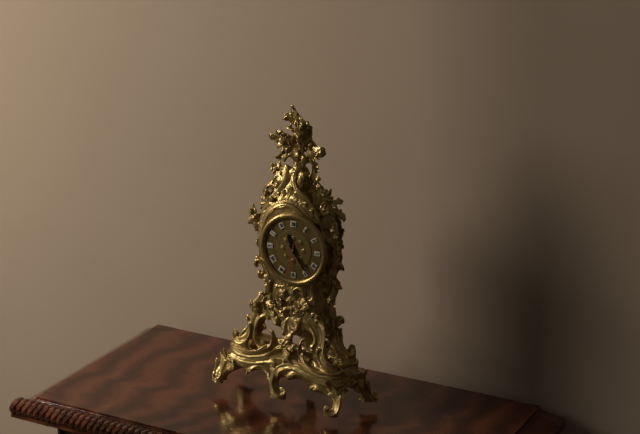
{"hour": 11, "minute": 24}
